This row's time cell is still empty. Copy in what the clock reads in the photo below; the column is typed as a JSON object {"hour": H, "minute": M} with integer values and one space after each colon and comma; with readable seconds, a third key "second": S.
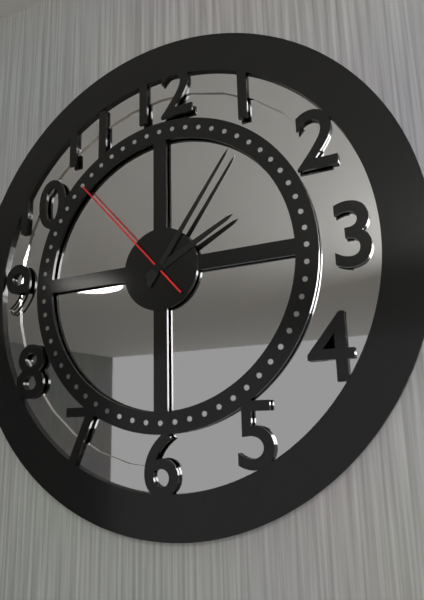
{"hour": 2, "minute": 6, "second": 53}
